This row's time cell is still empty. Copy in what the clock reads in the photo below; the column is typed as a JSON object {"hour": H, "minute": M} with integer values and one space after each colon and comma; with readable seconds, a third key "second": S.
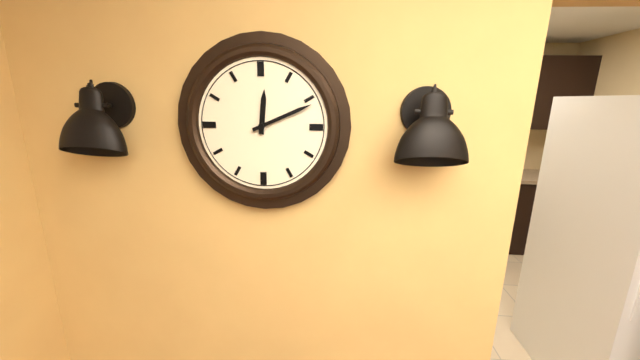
{"hour": 12, "minute": 11}
